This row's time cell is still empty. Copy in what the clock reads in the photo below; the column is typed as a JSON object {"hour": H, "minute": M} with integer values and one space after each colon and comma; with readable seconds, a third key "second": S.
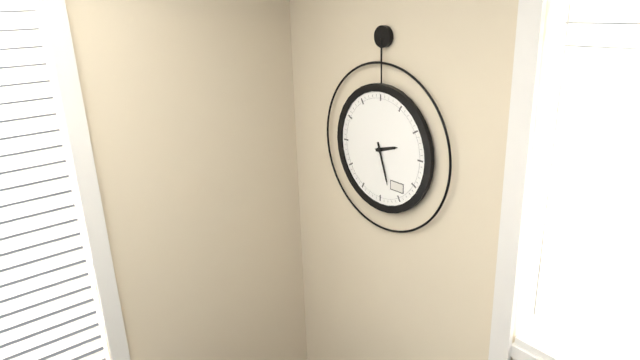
{"hour": 2, "minute": 27}
